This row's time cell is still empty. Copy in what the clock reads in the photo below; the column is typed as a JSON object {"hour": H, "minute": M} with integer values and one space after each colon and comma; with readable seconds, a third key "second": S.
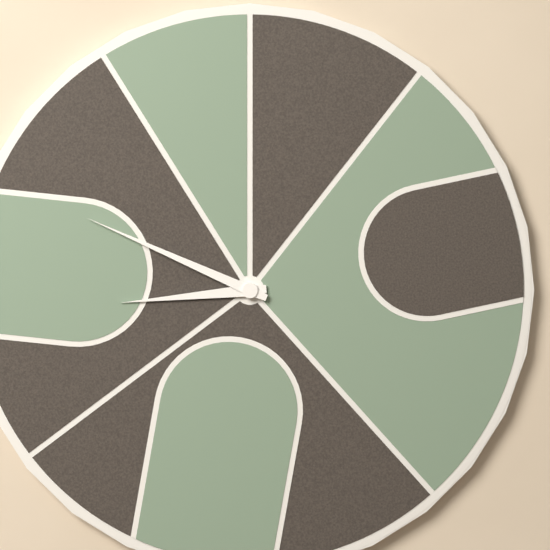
{"hour": 8, "minute": 49}
